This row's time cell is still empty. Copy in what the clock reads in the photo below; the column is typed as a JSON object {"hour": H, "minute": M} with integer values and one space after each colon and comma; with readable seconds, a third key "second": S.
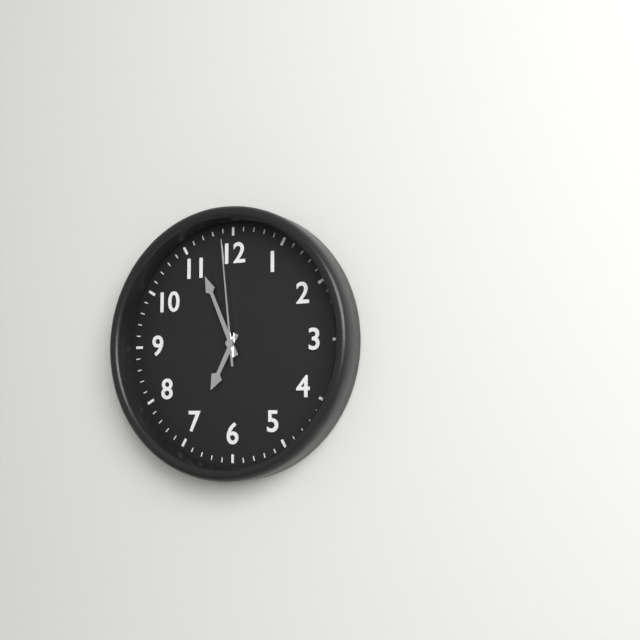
{"hour": 6, "minute": 56, "second": 59}
